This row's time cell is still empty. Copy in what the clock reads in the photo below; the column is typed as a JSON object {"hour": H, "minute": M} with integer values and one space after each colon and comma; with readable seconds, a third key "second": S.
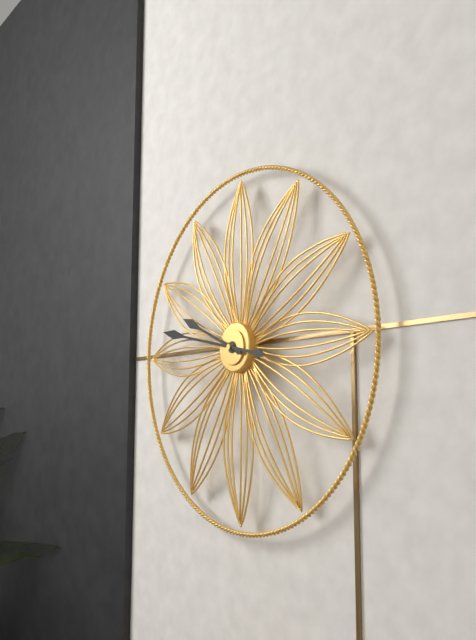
{"hour": 9, "minute": 47}
